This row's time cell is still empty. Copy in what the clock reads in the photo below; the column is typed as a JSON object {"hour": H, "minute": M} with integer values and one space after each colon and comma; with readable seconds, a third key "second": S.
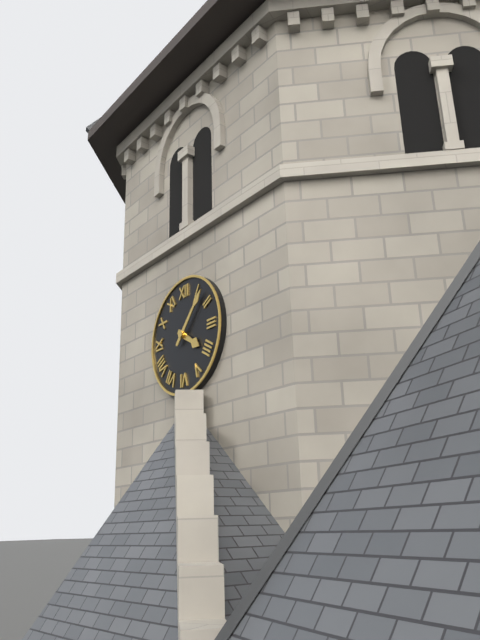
{"hour": 4, "minute": 7}
